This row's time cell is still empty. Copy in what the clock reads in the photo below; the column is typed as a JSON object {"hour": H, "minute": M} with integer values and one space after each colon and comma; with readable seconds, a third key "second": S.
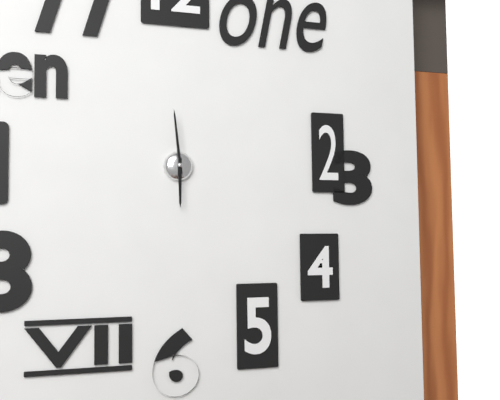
{"hour": 5, "minute": 59}
